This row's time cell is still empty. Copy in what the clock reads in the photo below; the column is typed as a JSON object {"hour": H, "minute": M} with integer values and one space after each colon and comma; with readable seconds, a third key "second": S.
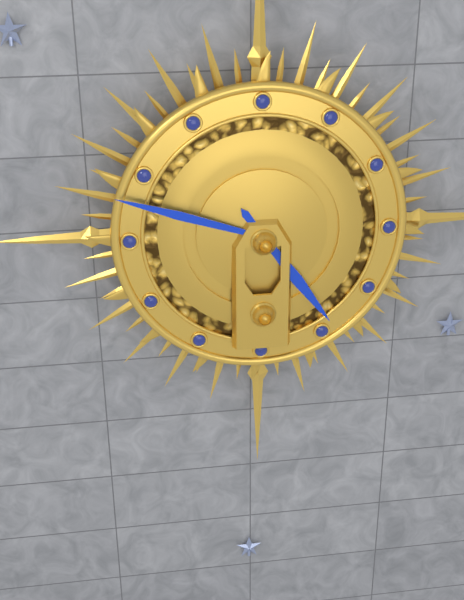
{"hour": 4, "minute": 48}
